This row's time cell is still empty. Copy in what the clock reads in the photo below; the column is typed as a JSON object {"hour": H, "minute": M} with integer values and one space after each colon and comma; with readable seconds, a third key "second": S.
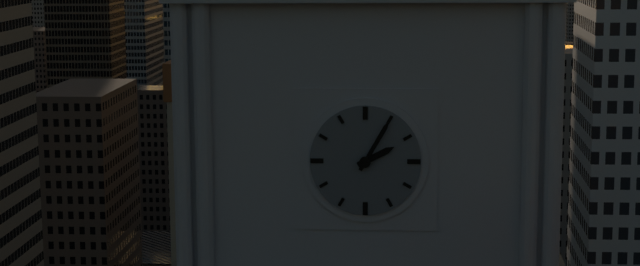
{"hour": 2, "minute": 5}
